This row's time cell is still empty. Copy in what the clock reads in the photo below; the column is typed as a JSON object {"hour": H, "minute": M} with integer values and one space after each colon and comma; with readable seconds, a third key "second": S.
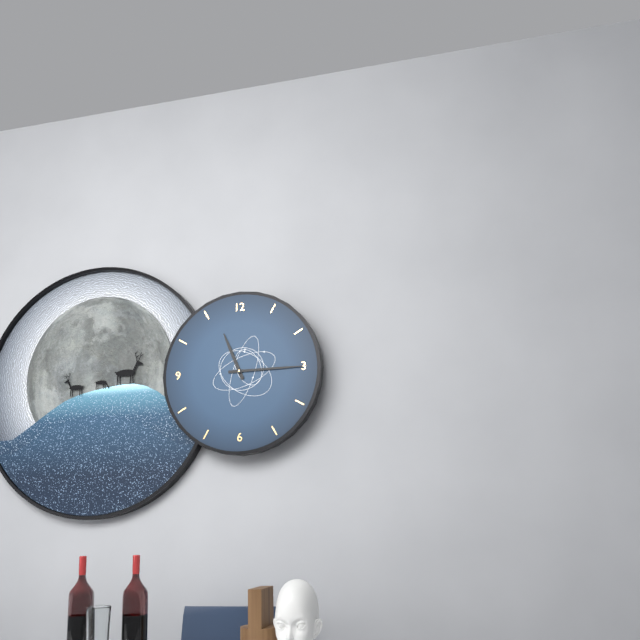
{"hour": 11, "minute": 15}
